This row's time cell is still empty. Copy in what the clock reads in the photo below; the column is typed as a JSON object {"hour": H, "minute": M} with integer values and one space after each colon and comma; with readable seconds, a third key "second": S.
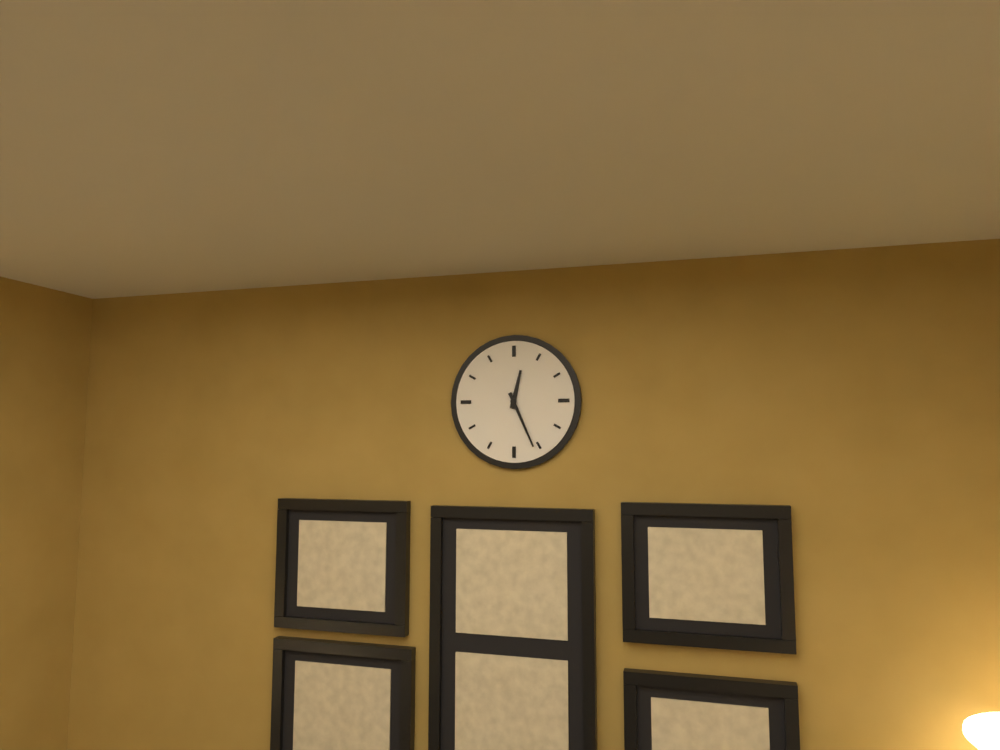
{"hour": 12, "minute": 26}
